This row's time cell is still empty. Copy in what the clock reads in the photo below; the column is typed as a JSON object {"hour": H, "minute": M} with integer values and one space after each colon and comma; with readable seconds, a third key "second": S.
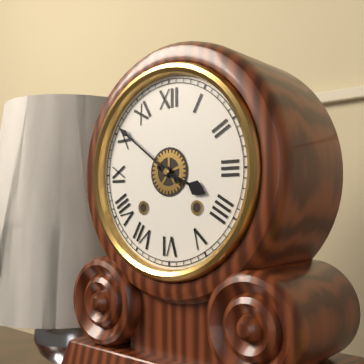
{"hour": 3, "minute": 51}
